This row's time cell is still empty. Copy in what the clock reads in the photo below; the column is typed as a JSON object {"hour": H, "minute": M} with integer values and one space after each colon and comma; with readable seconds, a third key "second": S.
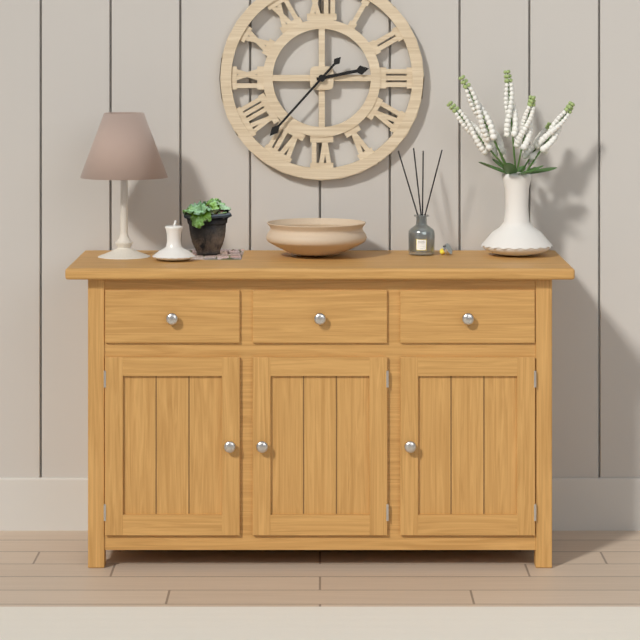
{"hour": 2, "minute": 37}
